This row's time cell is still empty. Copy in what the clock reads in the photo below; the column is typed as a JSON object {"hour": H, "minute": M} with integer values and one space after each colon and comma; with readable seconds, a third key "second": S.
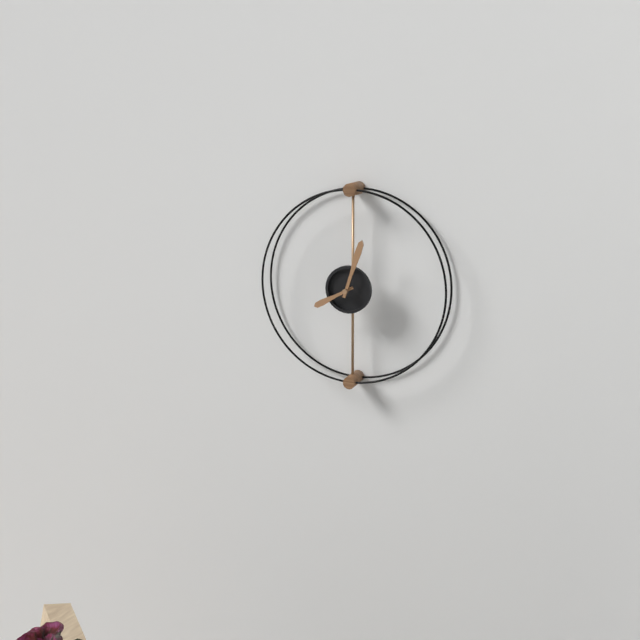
{"hour": 8, "minute": 3}
